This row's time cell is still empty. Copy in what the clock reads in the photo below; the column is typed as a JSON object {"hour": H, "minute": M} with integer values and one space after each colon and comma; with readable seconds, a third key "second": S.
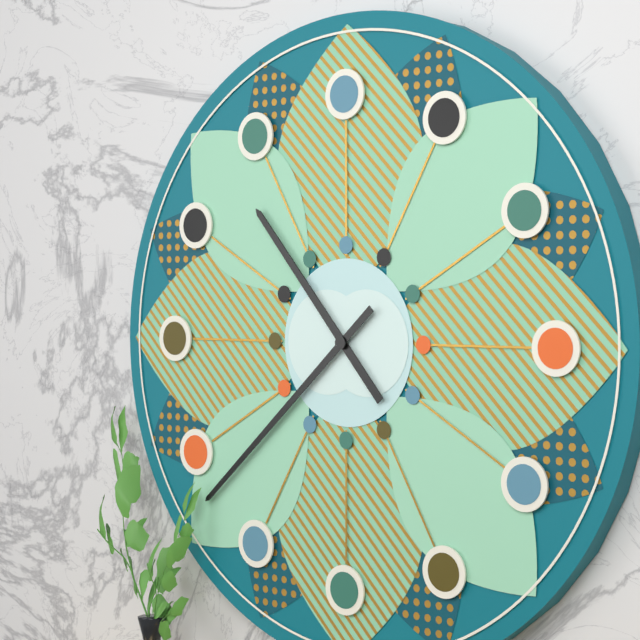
{"hour": 10, "minute": 38}
